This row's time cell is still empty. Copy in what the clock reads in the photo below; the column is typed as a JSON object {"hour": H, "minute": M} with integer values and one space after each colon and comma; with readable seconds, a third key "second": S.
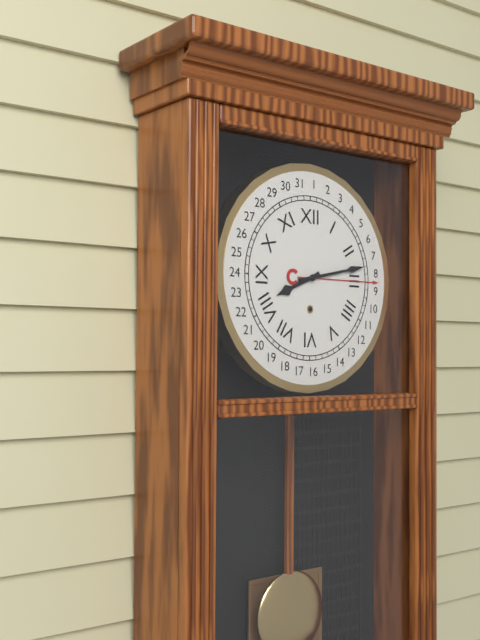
{"hour": 8, "minute": 13}
